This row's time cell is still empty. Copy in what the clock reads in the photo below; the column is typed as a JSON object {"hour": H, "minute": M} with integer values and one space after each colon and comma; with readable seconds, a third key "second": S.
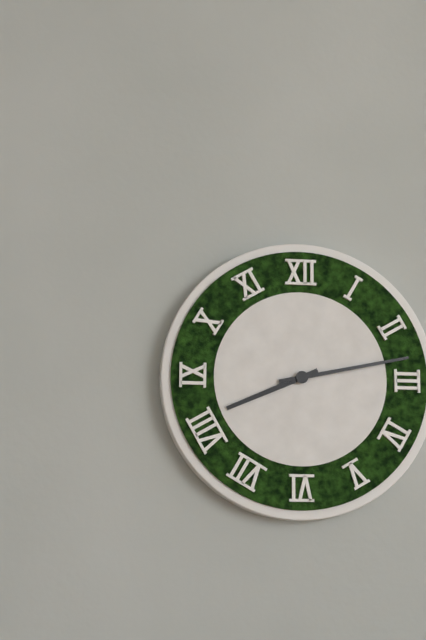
{"hour": 8, "minute": 13}
